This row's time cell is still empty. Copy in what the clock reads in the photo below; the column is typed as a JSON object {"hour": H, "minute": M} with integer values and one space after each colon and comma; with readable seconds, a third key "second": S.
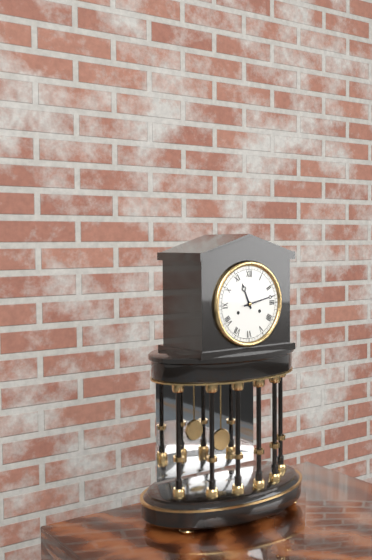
{"hour": 11, "minute": 13}
